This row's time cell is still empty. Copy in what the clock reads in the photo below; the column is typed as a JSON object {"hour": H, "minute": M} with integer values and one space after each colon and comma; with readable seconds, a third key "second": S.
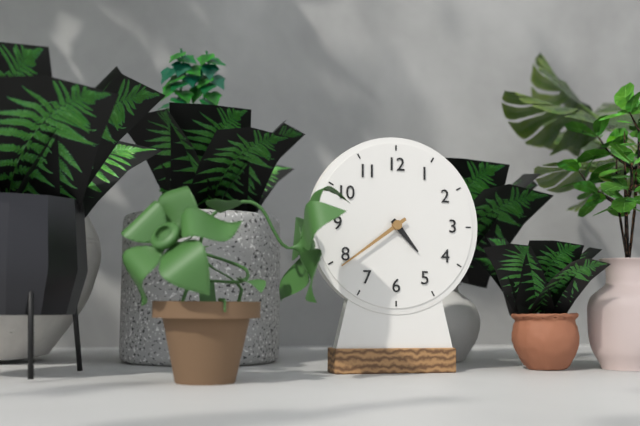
{"hour": 4, "minute": 39}
